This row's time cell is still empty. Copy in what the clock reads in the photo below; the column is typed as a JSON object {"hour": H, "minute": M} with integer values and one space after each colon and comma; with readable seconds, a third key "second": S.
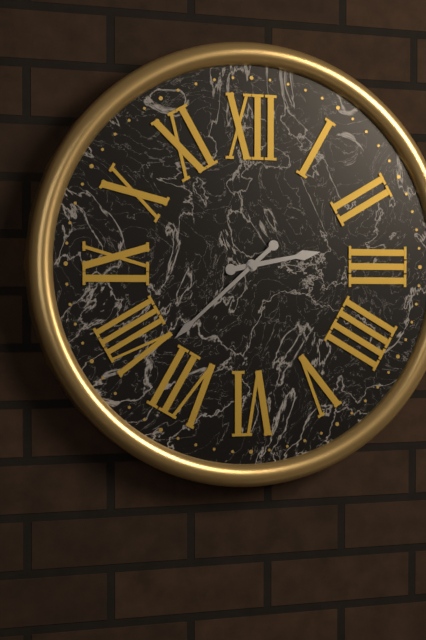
{"hour": 2, "minute": 38}
